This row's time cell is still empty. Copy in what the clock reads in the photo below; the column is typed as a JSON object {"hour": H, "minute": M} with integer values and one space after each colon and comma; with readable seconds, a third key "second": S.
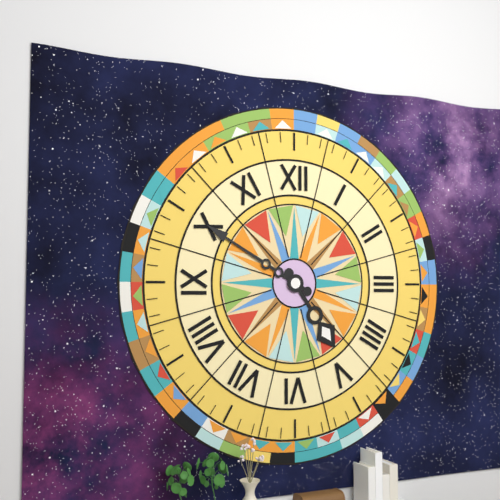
{"hour": 4, "minute": 50}
